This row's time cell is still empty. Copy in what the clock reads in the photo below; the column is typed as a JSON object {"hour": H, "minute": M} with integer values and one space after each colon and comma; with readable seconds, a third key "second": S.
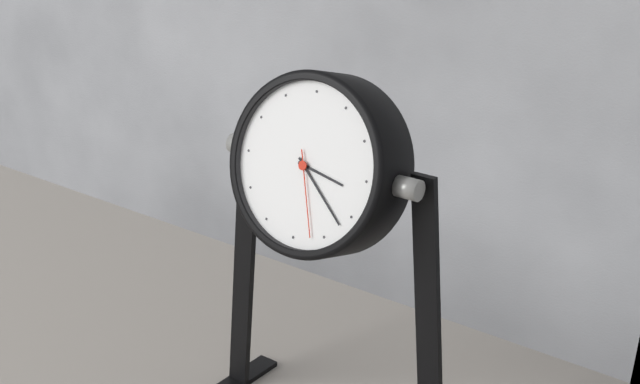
{"hour": 3, "minute": 22, "second": 27}
